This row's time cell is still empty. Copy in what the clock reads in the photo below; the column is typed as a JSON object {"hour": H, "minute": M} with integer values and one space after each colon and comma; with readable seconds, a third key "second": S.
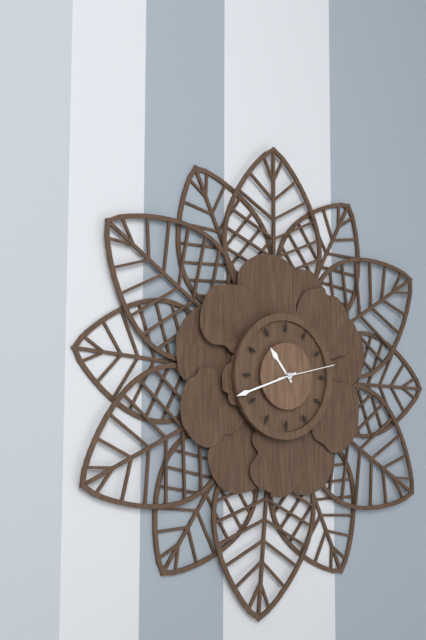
{"hour": 10, "minute": 42, "second": 13}
